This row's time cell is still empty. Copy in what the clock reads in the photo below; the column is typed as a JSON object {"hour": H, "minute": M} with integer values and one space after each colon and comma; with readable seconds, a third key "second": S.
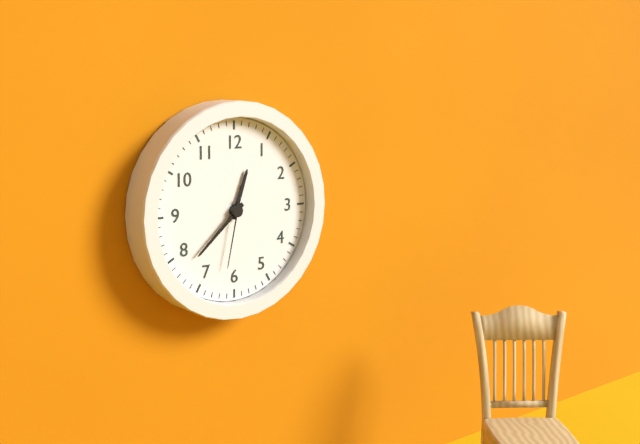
{"hour": 12, "minute": 38, "second": 32}
